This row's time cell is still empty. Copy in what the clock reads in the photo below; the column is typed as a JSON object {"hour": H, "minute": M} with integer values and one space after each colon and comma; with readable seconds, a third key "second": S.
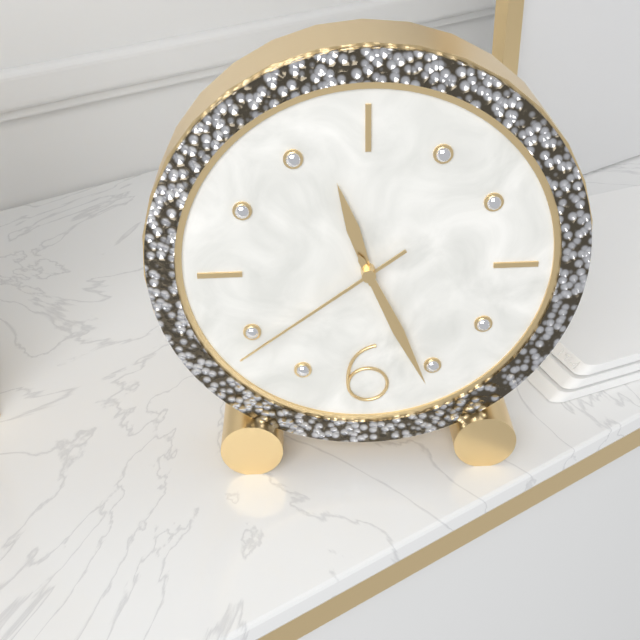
{"hour": 11, "minute": 26, "second": 39}
